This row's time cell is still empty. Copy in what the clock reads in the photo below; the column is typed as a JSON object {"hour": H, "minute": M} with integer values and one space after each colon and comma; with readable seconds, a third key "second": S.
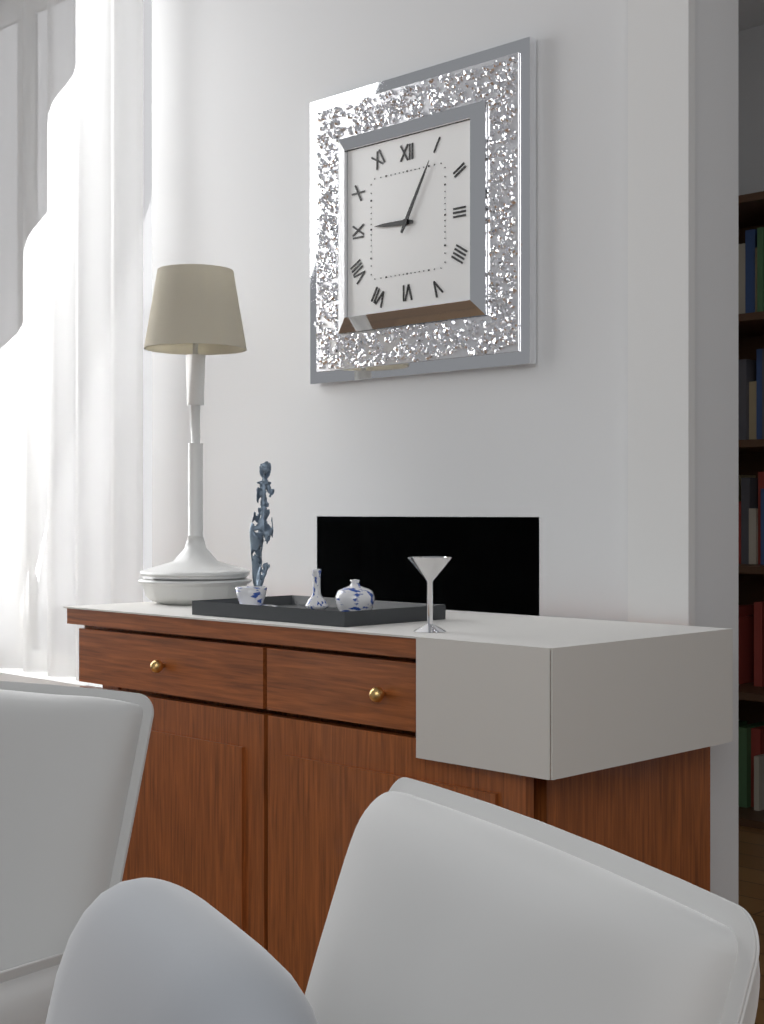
{"hour": 9, "minute": 5}
